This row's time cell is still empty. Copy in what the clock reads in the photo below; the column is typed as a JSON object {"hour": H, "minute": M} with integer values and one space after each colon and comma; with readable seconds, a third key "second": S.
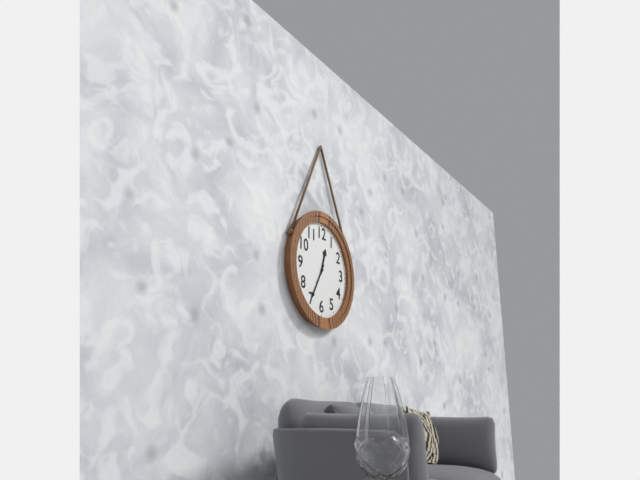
{"hour": 12, "minute": 35}
